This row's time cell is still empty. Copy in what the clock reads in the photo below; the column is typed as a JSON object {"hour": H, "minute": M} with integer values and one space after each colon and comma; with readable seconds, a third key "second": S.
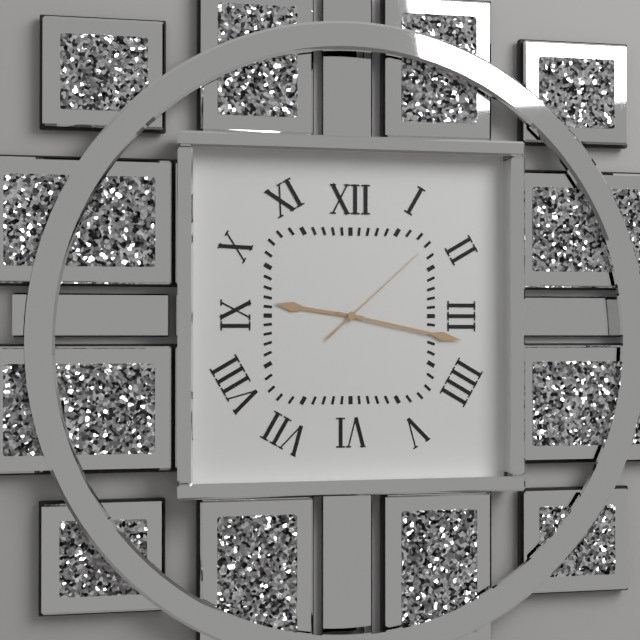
{"hour": 9, "minute": 17, "second": 8}
